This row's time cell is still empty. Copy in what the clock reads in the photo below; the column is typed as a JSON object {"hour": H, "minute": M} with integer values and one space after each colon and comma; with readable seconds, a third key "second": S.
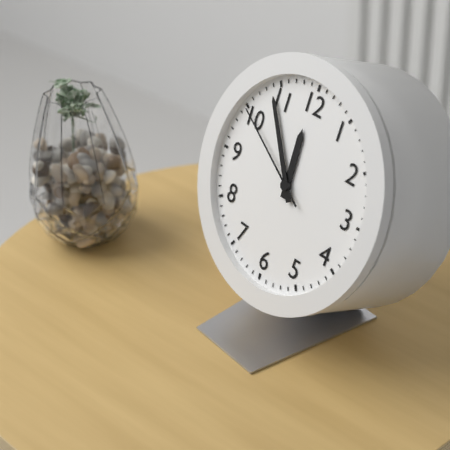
{"hour": 11, "minute": 54, "second": 50}
